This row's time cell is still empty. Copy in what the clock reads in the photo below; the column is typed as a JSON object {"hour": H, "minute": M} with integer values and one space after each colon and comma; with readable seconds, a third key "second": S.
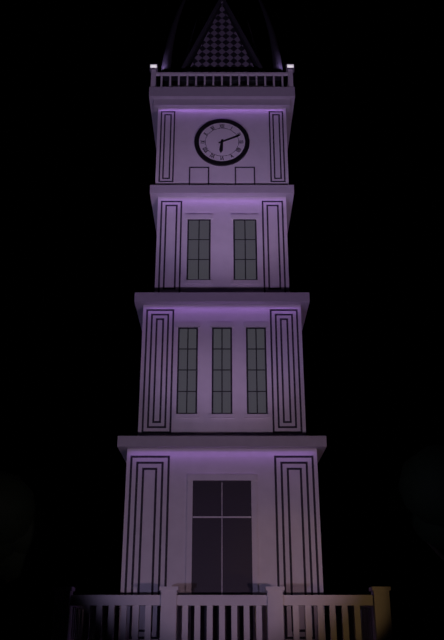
{"hour": 6, "minute": 11}
